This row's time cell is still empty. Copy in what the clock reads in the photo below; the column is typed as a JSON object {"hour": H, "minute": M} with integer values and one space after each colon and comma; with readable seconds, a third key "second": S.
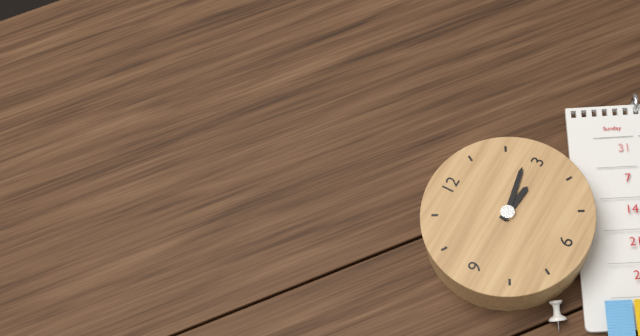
{"hour": 3, "minute": 13}
